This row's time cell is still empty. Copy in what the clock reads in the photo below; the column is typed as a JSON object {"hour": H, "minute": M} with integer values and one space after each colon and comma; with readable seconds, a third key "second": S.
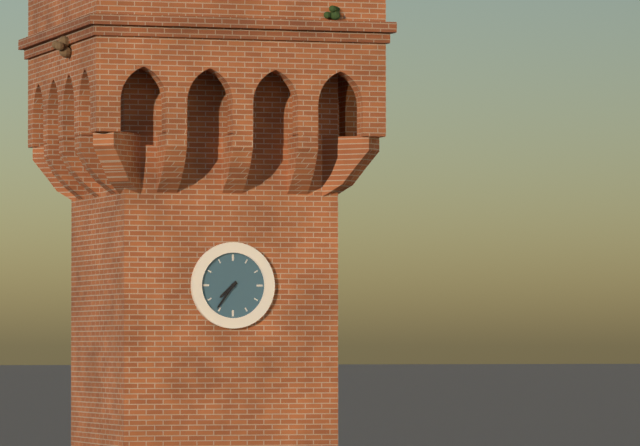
{"hour": 7, "minute": 36}
